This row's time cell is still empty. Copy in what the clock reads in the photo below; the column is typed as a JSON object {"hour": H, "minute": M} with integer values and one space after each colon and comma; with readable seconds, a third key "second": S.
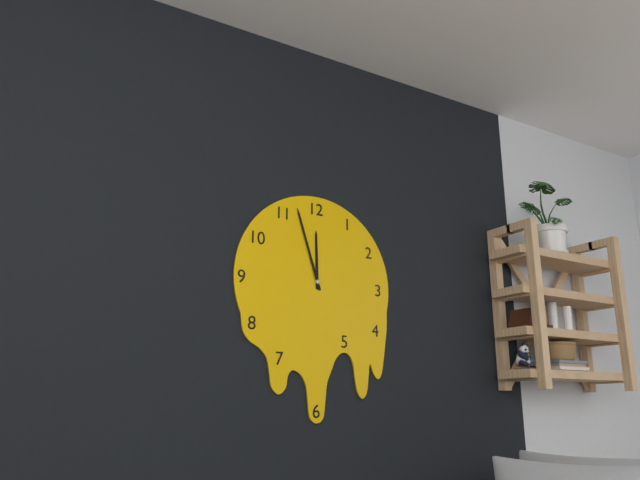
{"hour": 11, "minute": 57}
